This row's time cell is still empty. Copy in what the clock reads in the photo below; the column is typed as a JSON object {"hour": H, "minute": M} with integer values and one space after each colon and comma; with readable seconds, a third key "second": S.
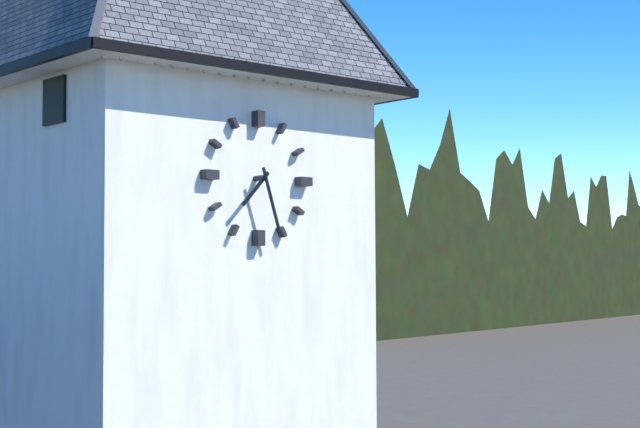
{"hour": 7, "minute": 27}
